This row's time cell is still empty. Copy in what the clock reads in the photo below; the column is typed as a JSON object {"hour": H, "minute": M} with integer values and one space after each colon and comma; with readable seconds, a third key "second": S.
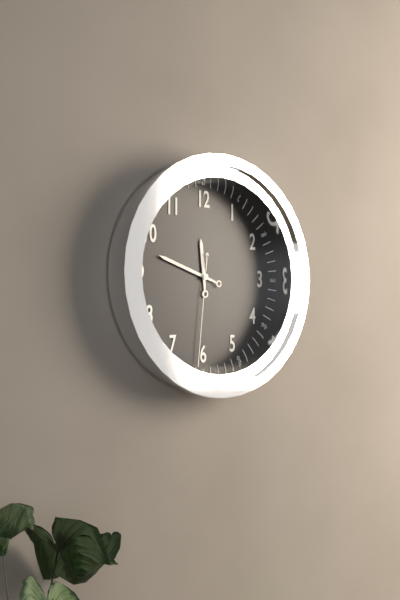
{"hour": 11, "minute": 48, "second": 31}
